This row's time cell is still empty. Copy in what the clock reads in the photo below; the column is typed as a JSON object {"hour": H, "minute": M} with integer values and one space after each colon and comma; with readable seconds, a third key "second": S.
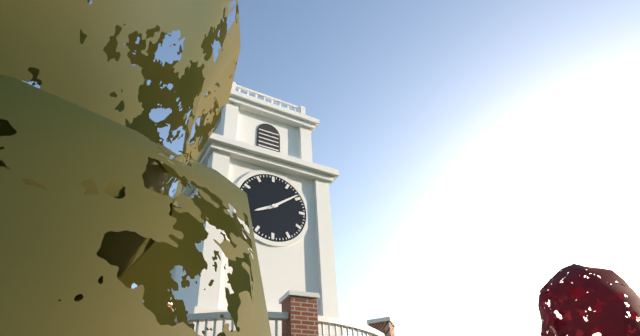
{"hour": 8, "minute": 9}
